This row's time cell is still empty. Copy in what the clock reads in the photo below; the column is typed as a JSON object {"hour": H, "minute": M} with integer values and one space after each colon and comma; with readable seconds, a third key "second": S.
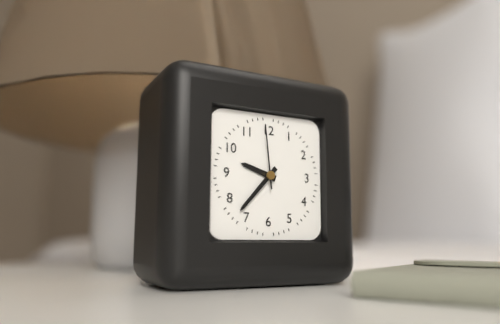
{"hour": 9, "minute": 37, "second": 59}
